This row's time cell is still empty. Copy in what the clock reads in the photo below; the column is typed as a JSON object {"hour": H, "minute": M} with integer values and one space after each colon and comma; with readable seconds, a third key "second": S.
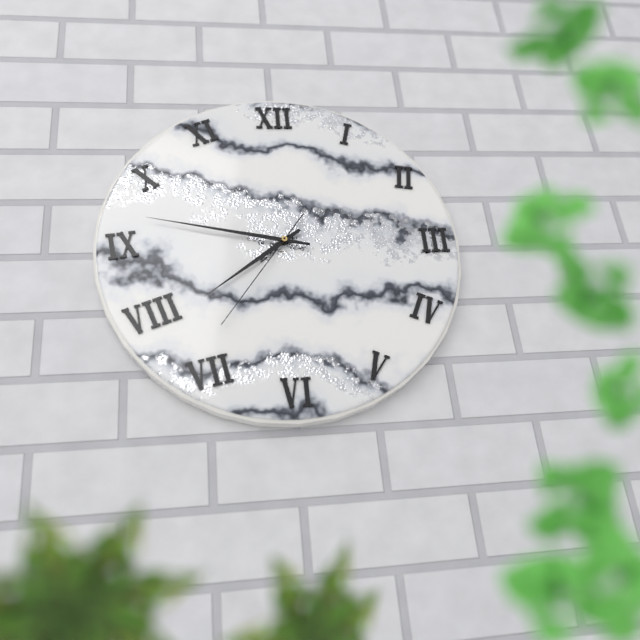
{"hour": 7, "minute": 47, "second": 36}
